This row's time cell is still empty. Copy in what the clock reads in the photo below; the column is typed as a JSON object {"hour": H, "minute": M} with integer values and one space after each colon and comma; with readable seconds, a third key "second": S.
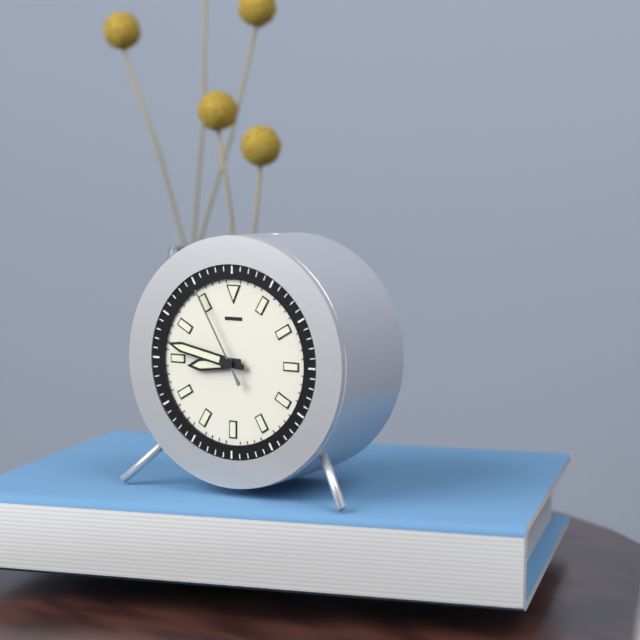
{"hour": 8, "minute": 47, "second": 55}
